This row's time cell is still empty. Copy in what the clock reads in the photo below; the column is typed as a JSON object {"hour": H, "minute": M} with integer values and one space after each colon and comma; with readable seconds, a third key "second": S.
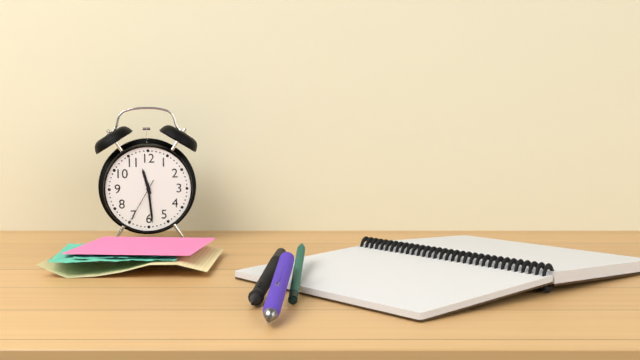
{"hour": 11, "minute": 29}
